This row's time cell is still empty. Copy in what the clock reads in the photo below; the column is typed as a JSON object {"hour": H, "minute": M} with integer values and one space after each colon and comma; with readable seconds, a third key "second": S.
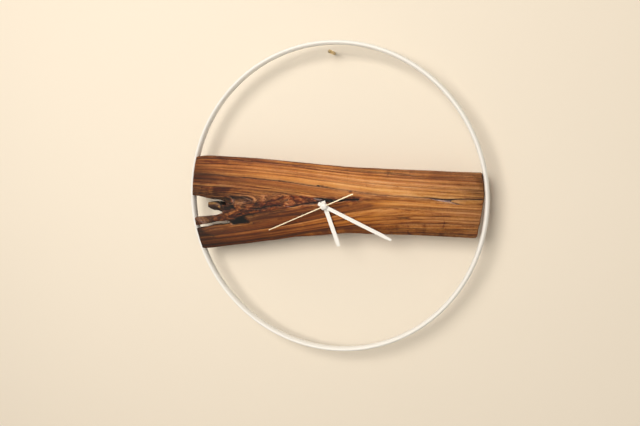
{"hour": 5, "minute": 19, "second": 41}
